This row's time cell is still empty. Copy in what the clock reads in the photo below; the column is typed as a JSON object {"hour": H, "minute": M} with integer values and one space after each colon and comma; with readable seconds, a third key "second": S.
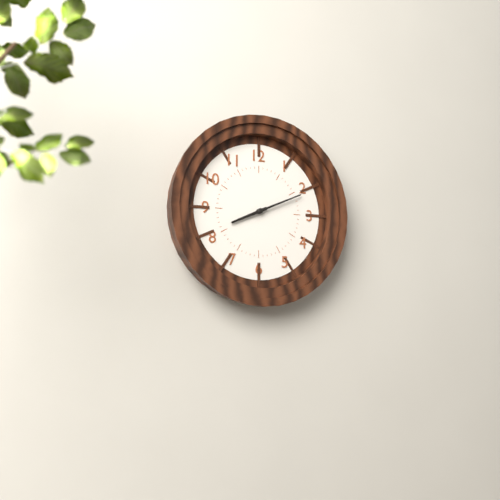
{"hour": 8, "minute": 11}
